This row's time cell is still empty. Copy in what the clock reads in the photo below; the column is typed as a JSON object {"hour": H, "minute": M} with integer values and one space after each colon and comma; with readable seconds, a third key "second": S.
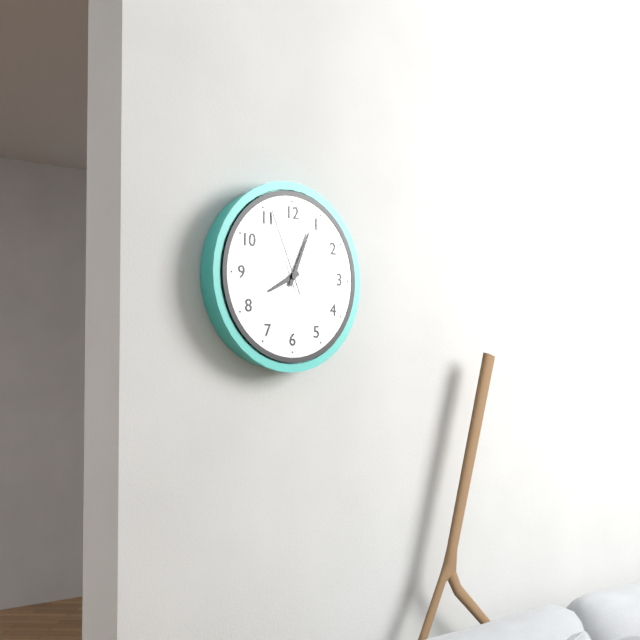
{"hour": 8, "minute": 4, "second": 56}
